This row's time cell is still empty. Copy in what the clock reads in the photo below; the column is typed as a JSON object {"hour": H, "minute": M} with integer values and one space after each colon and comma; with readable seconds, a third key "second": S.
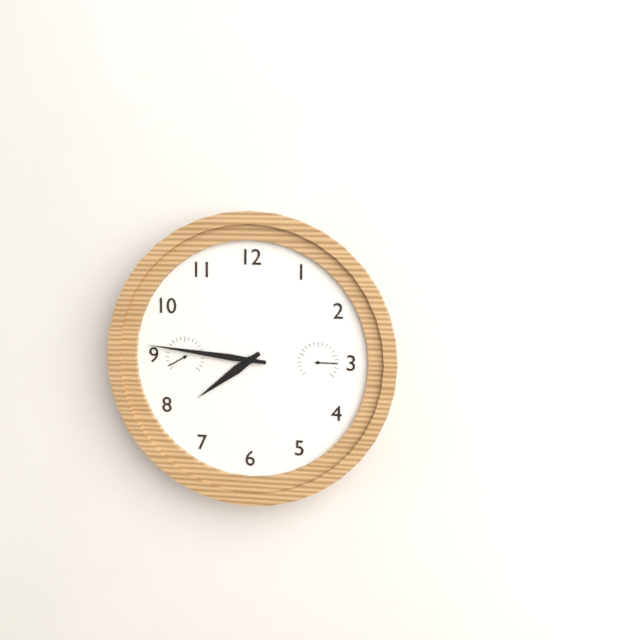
{"hour": 7, "minute": 46}
